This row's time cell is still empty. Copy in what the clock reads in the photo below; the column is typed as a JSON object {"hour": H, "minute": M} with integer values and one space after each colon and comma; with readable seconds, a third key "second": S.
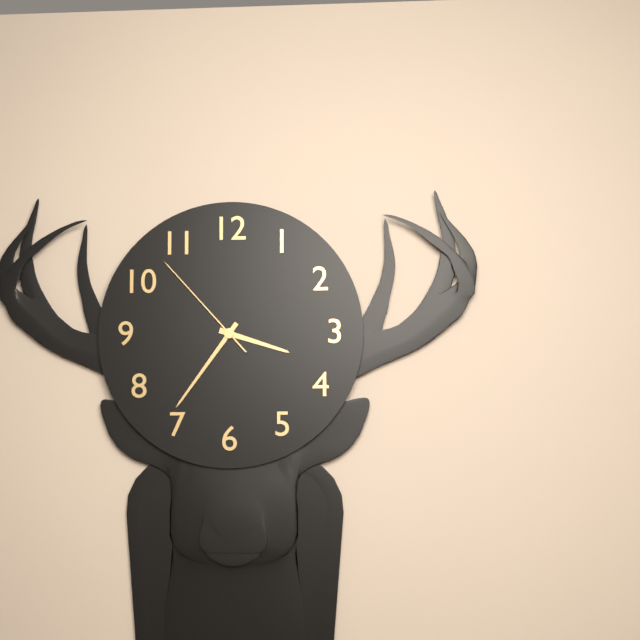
{"hour": 3, "minute": 36, "second": 53}
